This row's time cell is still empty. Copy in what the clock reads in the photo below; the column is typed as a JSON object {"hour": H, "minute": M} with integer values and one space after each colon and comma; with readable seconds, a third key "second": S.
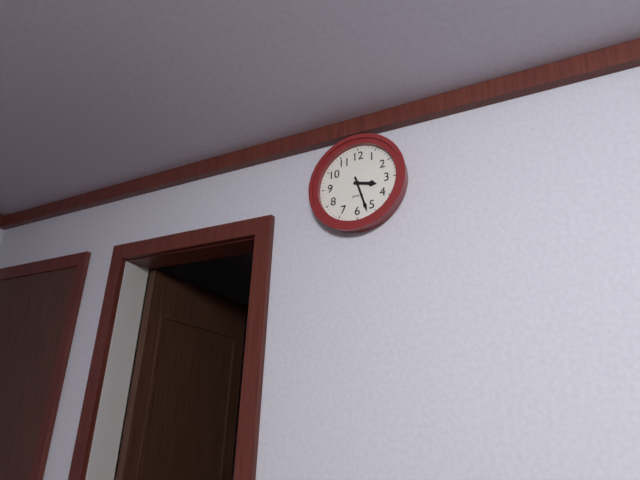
{"hour": 3, "minute": 27}
